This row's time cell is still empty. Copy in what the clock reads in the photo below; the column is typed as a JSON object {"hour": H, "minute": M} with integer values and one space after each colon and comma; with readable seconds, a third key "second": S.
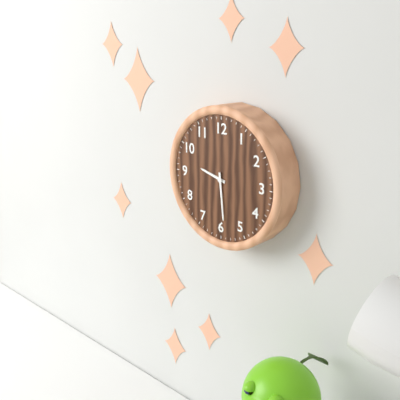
{"hour": 9, "minute": 29}
